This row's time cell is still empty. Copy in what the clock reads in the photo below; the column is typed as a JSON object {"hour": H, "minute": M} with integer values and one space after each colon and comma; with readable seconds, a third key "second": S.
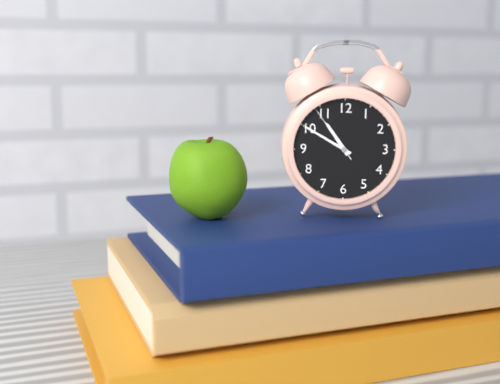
{"hour": 10, "minute": 50, "second": 54}
